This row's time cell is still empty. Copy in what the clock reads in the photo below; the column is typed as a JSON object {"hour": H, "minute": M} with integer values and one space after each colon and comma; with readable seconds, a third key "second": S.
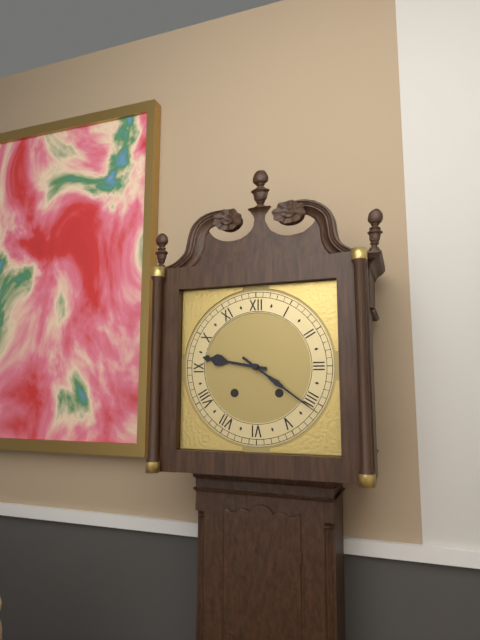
{"hour": 9, "minute": 21}
